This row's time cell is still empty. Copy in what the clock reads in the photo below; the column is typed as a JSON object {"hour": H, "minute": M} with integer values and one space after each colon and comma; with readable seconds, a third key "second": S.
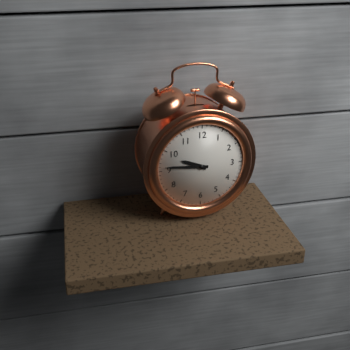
{"hour": 9, "minute": 46}
